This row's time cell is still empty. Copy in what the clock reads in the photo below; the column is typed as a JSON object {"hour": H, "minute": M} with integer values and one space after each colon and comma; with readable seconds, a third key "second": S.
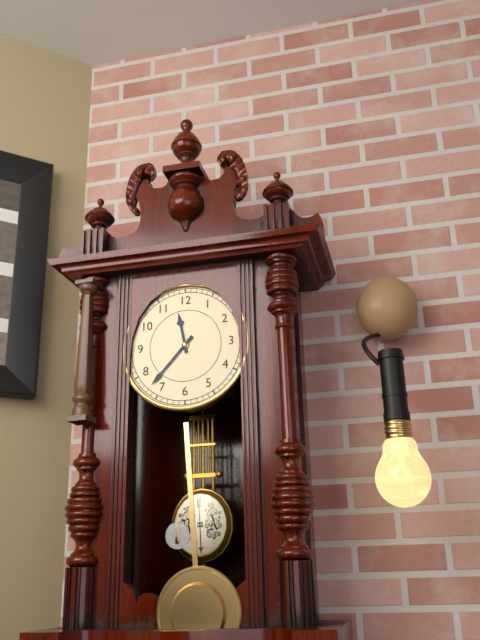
{"hour": 11, "minute": 37}
